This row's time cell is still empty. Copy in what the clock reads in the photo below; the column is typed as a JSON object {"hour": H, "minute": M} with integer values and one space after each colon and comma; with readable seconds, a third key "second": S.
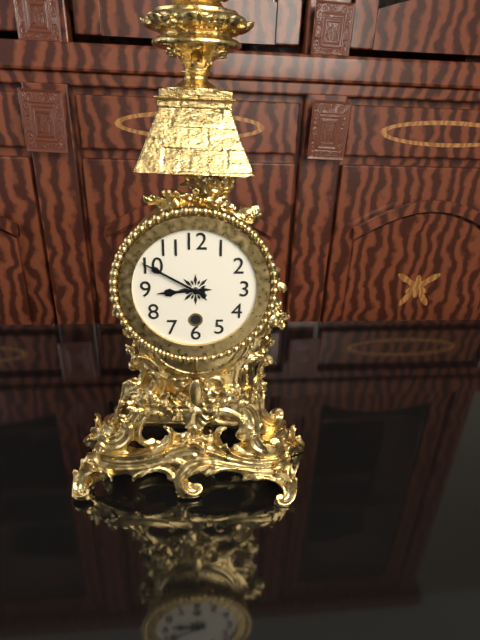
{"hour": 8, "minute": 50}
